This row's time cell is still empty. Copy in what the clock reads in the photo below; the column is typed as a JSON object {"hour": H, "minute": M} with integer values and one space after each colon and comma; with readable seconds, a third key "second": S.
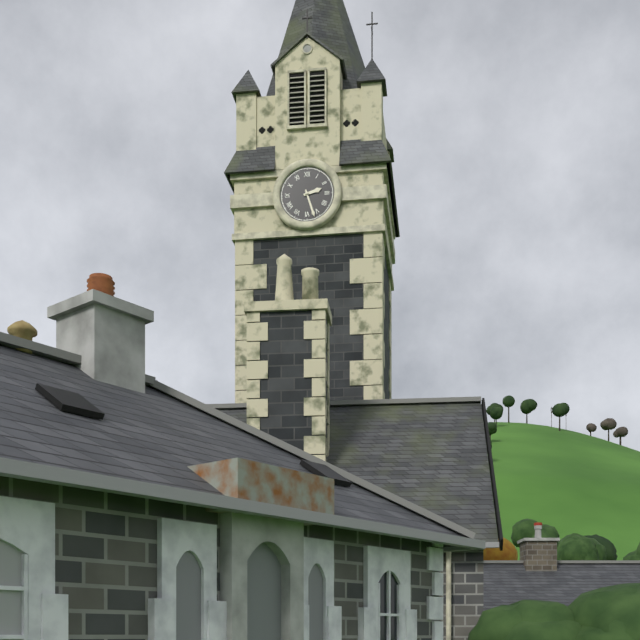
{"hour": 2, "minute": 27}
